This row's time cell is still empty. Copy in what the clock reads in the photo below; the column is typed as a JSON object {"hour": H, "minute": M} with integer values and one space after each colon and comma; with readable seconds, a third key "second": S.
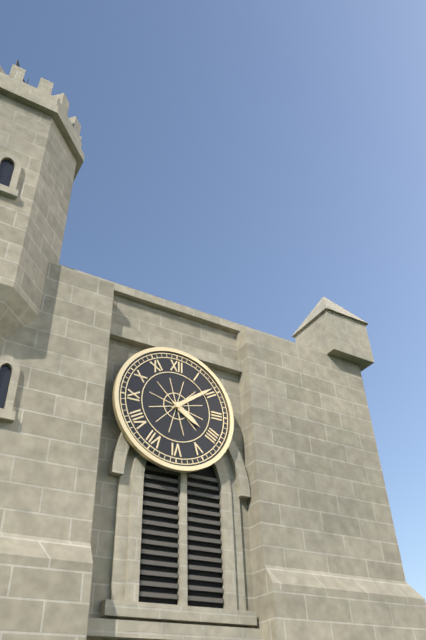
{"hour": 4, "minute": 9}
